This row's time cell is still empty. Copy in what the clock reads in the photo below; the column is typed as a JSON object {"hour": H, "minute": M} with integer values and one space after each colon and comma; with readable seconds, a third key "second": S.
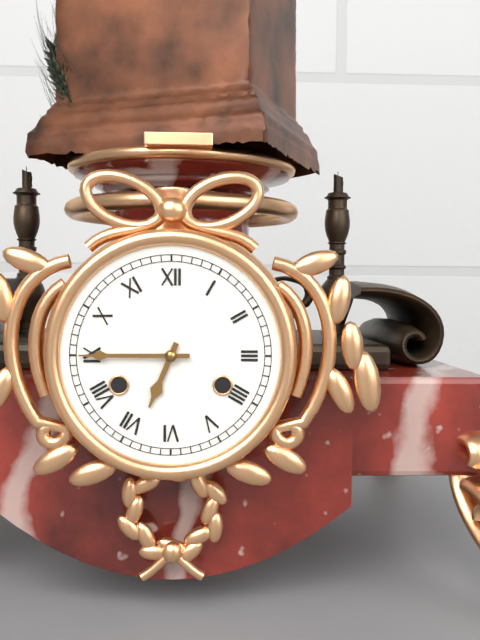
{"hour": 6, "minute": 45}
